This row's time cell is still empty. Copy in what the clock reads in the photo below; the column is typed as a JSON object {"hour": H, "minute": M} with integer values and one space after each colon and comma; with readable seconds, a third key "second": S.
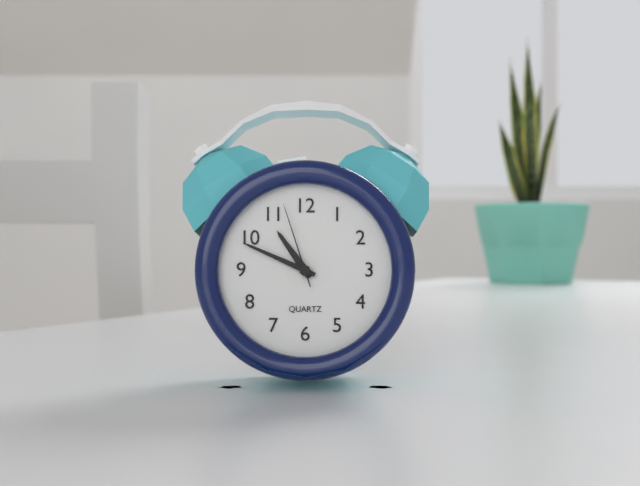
{"hour": 10, "minute": 49, "second": 57}
